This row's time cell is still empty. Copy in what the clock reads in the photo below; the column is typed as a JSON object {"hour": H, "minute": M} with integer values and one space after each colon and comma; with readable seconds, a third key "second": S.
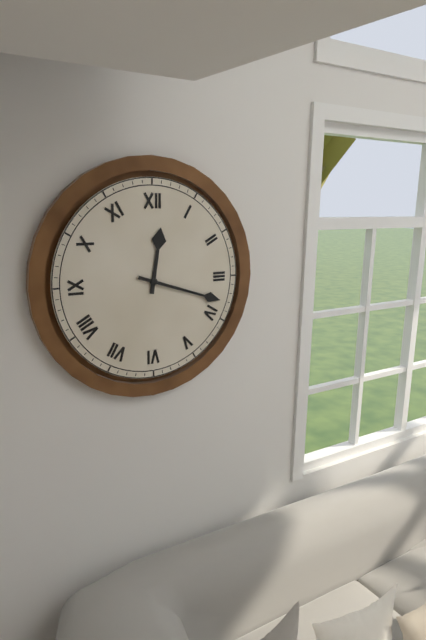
{"hour": 12, "minute": 18}
